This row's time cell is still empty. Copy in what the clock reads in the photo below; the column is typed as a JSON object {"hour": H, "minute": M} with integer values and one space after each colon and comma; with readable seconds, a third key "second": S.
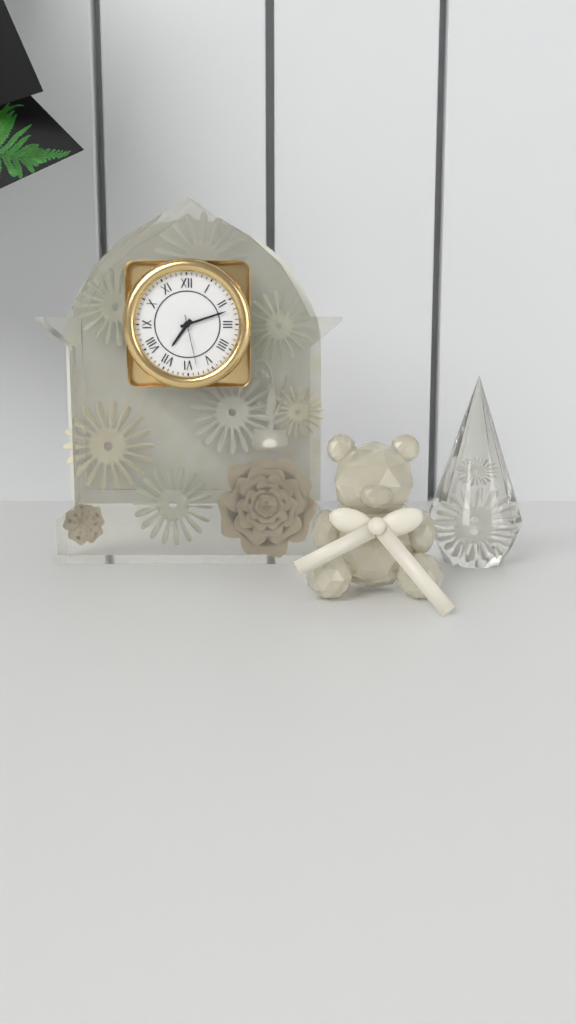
{"hour": 7, "minute": 12, "second": 28}
